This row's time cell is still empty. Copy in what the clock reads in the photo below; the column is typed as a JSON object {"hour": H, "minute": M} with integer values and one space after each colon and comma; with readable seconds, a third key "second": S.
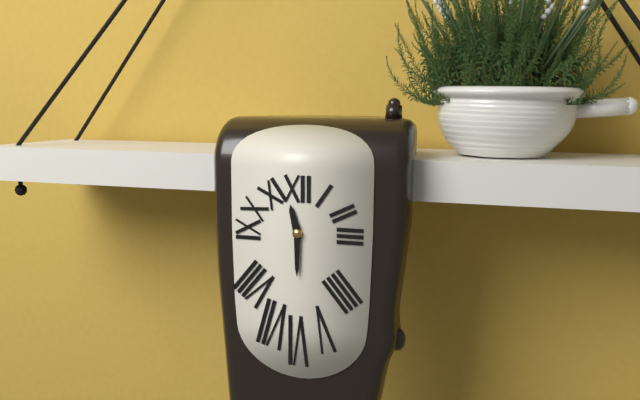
{"hour": 11, "minute": 30}
